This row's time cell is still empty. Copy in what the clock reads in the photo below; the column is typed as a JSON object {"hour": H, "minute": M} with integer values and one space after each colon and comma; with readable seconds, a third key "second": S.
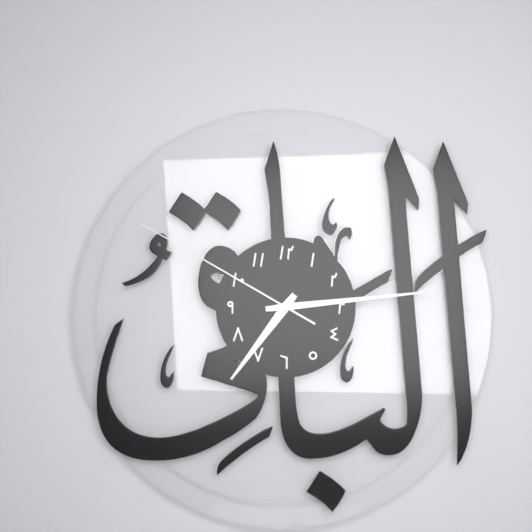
{"hour": 7, "minute": 14, "second": 50}
